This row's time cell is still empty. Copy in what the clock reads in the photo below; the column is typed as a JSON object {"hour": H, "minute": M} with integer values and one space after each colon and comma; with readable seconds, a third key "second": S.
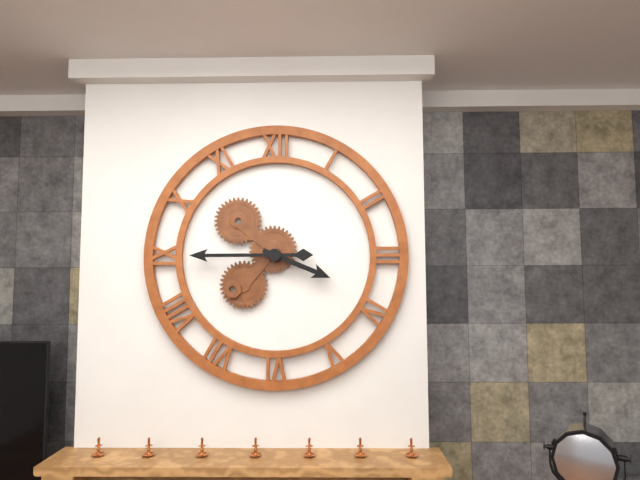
{"hour": 3, "minute": 45}
